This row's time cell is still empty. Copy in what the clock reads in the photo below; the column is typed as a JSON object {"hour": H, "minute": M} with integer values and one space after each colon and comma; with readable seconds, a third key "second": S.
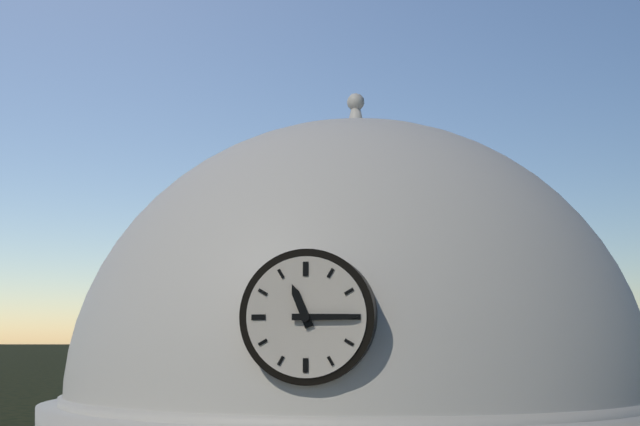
{"hour": 11, "minute": 15}
